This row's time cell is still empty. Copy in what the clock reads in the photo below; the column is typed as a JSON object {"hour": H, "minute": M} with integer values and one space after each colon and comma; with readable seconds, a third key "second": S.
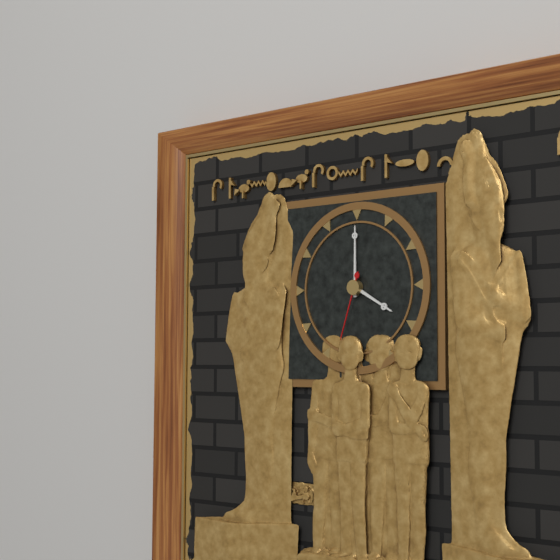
{"hour": 4, "minute": 0, "second": 33}
